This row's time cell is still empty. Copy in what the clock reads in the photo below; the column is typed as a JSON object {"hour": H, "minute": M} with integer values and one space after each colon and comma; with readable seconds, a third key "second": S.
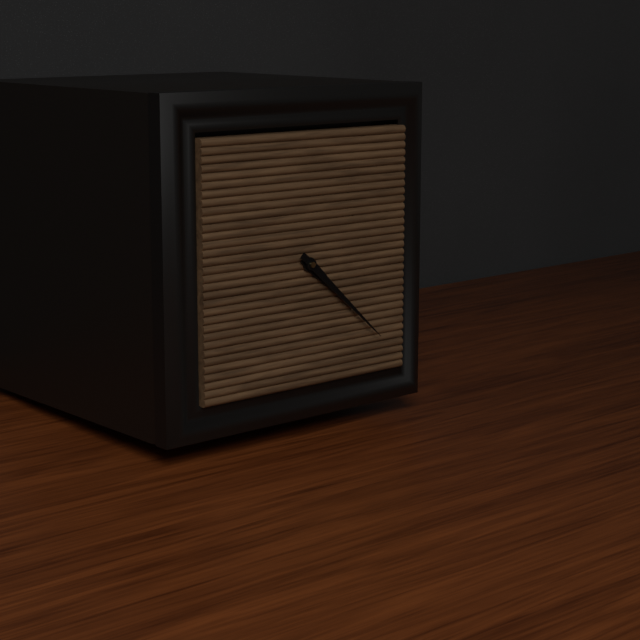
{"hour": 4, "minute": 22}
